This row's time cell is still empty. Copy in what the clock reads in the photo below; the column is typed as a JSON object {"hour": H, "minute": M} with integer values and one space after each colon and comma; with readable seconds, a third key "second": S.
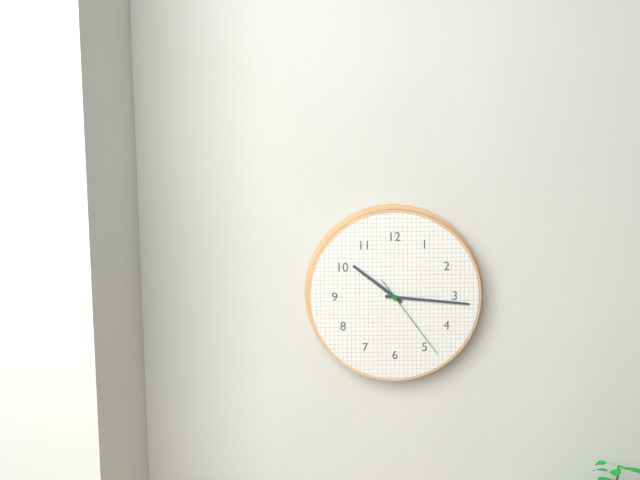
{"hour": 10, "minute": 16, "second": 24}
